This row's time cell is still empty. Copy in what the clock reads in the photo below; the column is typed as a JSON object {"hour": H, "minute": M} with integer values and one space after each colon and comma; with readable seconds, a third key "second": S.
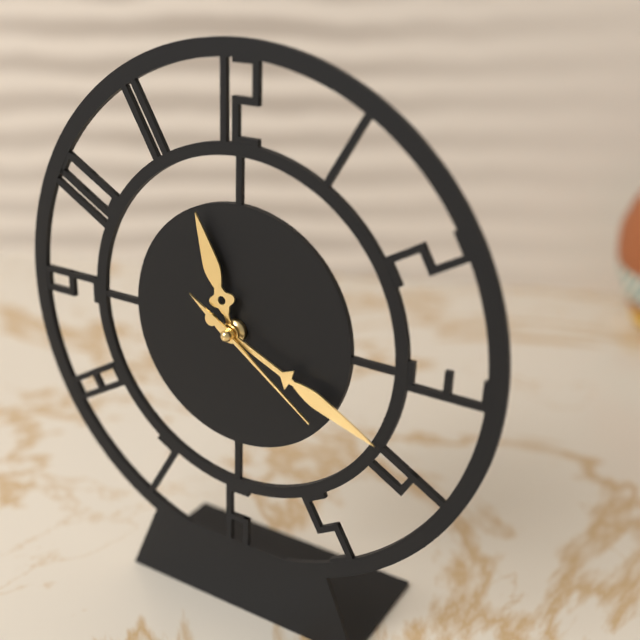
{"hour": 11, "minute": 19, "second": 21}
